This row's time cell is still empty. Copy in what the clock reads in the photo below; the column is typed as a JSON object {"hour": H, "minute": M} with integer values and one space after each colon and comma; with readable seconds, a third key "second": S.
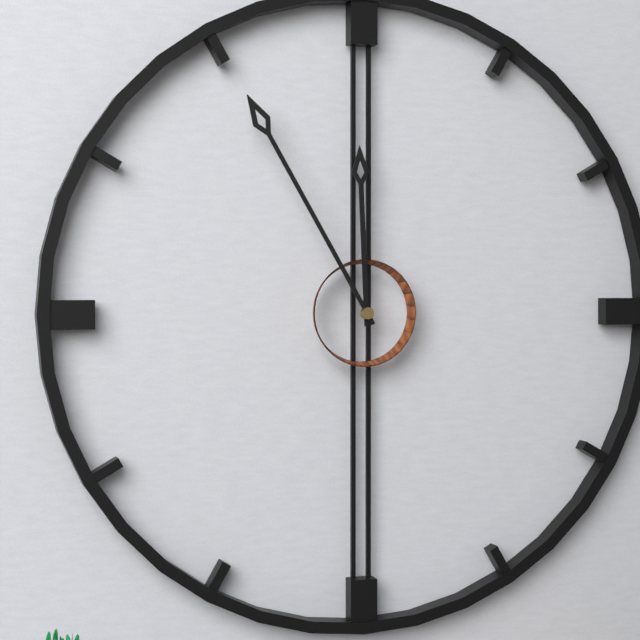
{"hour": 11, "minute": 55}
